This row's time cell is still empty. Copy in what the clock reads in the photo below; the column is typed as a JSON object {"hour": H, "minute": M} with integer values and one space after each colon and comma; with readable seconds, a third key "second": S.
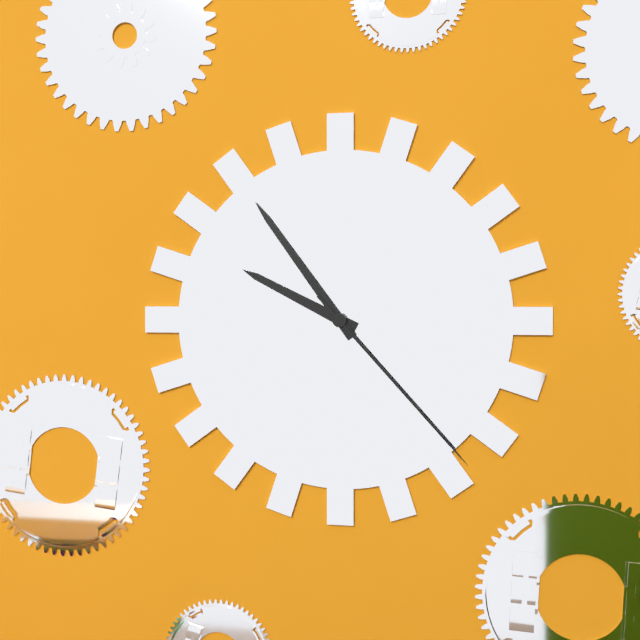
{"hour": 9, "minute": 54, "second": 23}
